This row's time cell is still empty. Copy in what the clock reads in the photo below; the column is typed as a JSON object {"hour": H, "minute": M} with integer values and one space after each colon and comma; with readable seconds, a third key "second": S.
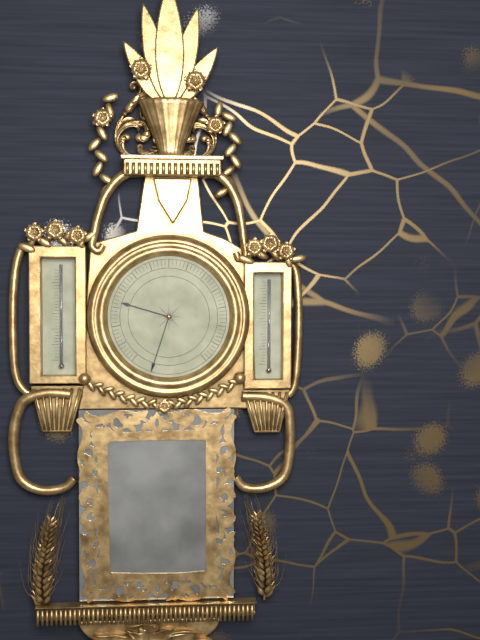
{"hour": 9, "minute": 33}
